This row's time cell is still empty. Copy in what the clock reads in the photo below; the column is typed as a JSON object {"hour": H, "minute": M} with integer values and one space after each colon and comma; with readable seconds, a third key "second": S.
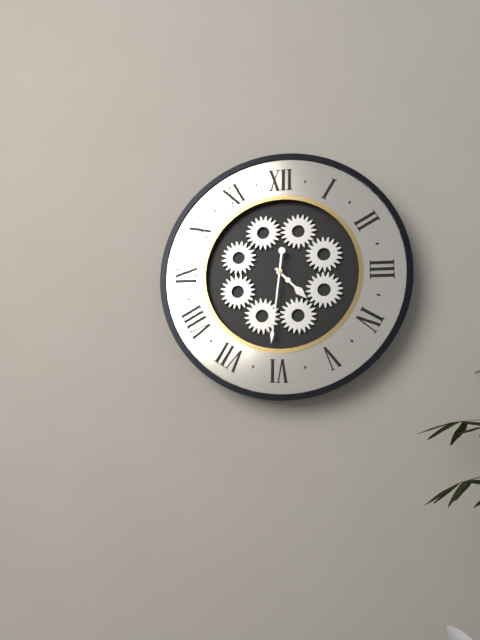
{"hour": 4, "minute": 31}
